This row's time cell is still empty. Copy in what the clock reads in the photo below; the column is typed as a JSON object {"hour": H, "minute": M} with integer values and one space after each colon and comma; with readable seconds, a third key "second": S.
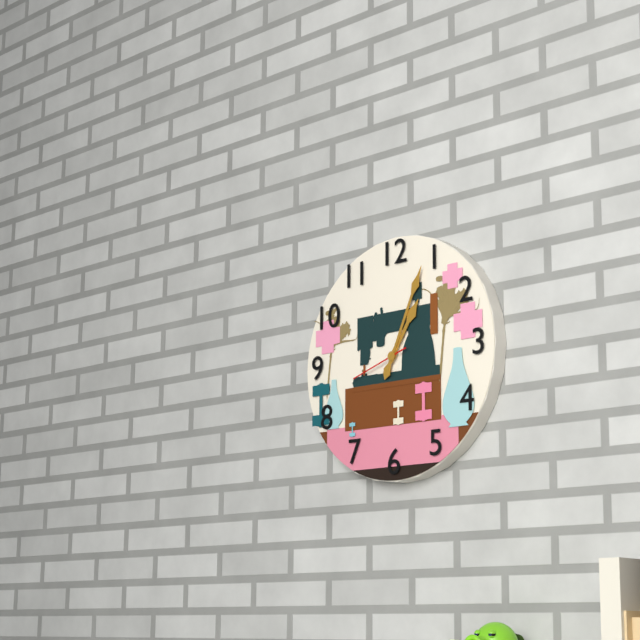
{"hour": 1, "minute": 4, "second": 42}
